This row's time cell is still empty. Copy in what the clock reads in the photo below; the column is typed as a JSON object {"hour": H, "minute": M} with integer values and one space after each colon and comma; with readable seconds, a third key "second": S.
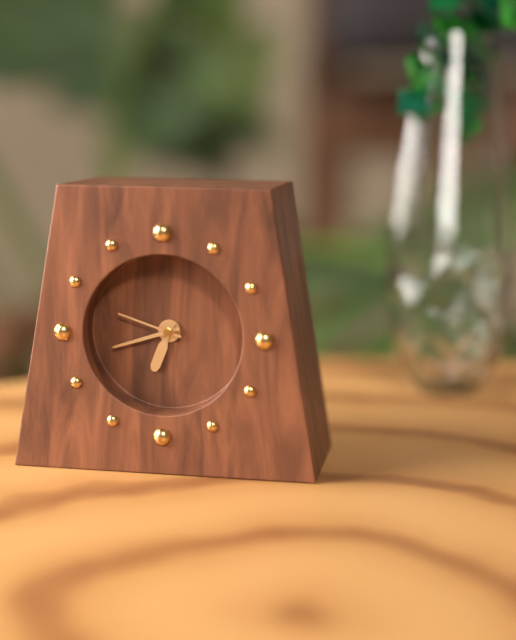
{"hour": 6, "minute": 42, "second": 48}
